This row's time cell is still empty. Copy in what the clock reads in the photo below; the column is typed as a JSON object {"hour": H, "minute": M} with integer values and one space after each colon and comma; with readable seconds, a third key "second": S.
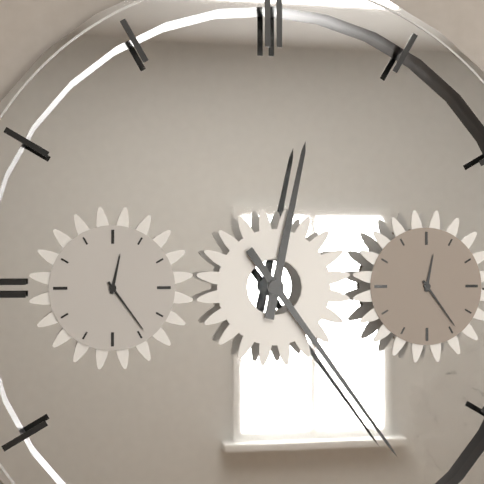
{"hour": 12, "minute": 24}
